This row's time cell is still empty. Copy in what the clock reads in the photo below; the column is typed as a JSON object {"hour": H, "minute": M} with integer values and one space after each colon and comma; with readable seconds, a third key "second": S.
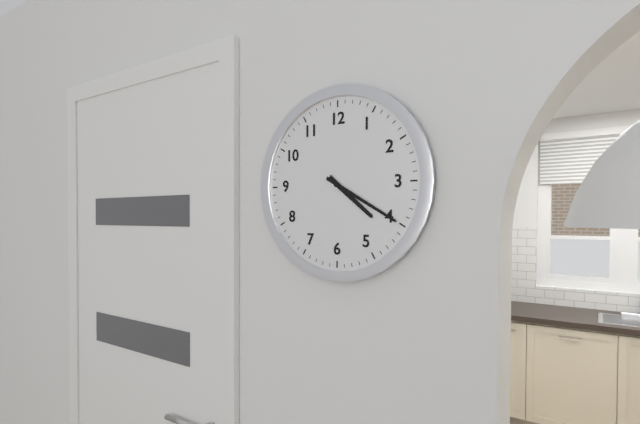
{"hour": 4, "minute": 20}
